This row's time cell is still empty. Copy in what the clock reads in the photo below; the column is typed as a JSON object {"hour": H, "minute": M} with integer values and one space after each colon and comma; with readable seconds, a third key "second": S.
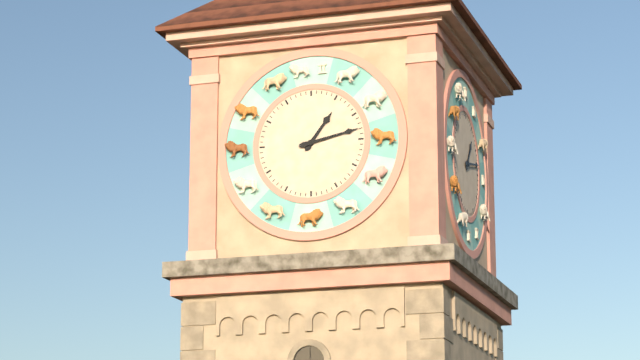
{"hour": 1, "minute": 13}
